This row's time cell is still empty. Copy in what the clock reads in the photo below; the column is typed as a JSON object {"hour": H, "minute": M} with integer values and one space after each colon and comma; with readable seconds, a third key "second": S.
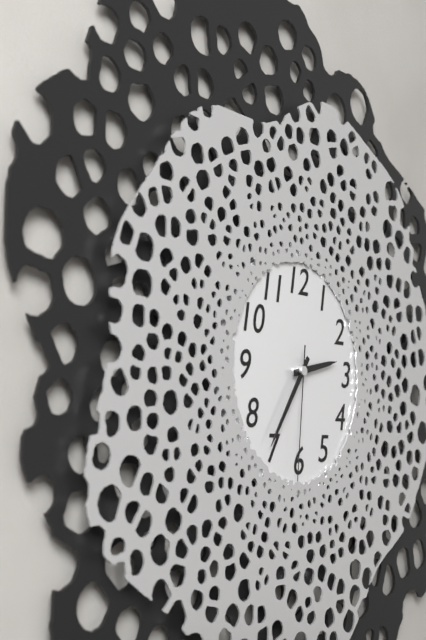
{"hour": 2, "minute": 36, "second": 31}
